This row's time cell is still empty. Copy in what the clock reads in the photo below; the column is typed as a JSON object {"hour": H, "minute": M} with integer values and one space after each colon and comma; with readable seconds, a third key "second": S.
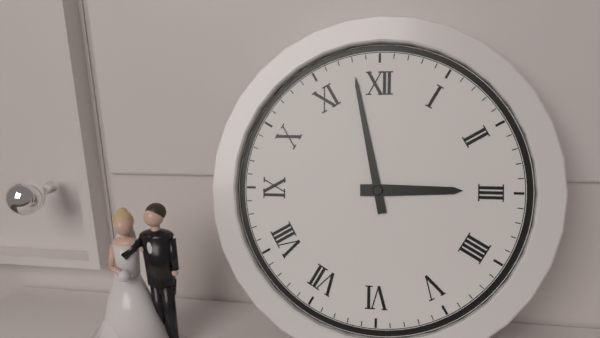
{"hour": 2, "minute": 58}
